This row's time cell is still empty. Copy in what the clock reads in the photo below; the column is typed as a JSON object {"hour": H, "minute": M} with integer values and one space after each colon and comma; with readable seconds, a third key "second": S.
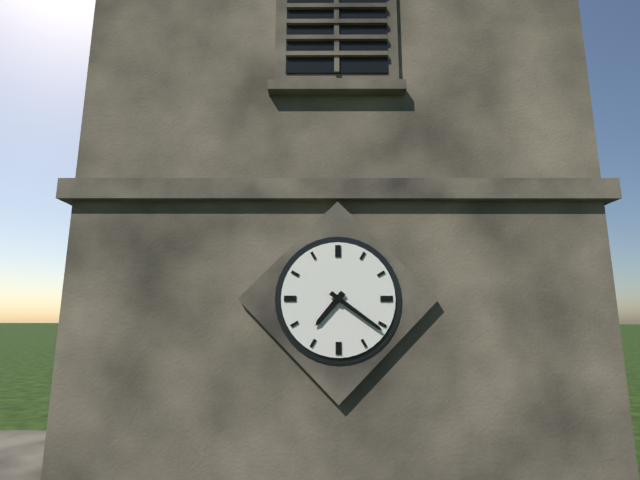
{"hour": 7, "minute": 21}
